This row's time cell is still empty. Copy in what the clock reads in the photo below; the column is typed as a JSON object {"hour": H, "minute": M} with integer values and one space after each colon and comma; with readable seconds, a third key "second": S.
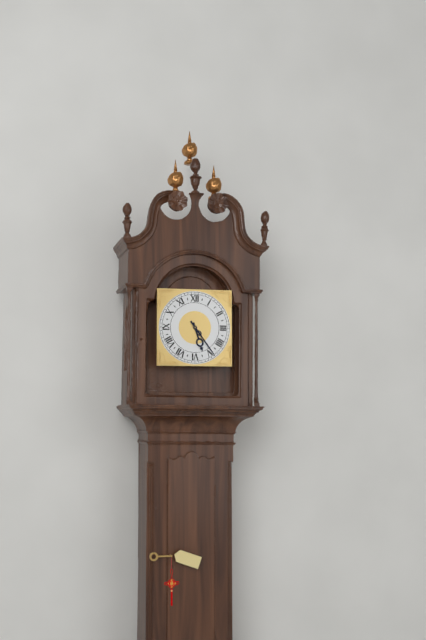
{"hour": 5, "minute": 24}
